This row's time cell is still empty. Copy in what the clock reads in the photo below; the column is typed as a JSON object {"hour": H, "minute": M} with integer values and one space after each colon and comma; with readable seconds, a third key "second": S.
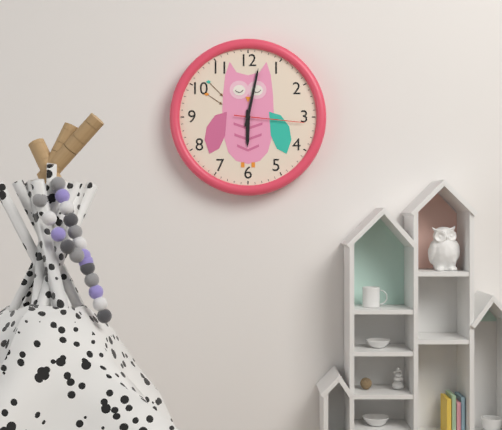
{"hour": 6, "minute": 2, "second": 16}
